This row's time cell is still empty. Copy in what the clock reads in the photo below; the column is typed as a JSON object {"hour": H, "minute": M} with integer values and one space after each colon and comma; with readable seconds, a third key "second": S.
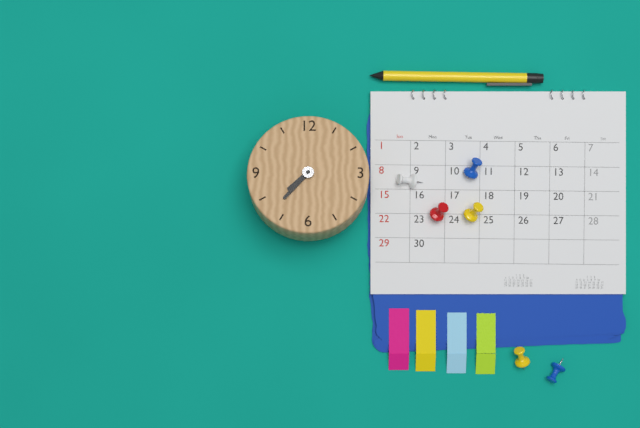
{"hour": 7, "minute": 37}
